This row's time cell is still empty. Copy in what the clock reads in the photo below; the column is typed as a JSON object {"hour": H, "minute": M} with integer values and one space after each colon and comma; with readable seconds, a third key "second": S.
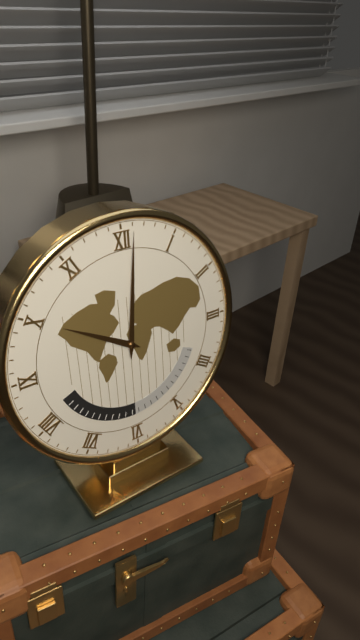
{"hour": 10, "minute": 1}
